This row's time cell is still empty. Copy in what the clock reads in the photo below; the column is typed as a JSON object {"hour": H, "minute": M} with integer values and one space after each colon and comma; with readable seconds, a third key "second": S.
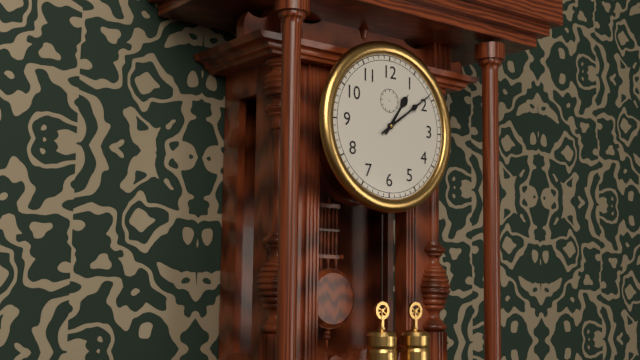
{"hour": 1, "minute": 9}
